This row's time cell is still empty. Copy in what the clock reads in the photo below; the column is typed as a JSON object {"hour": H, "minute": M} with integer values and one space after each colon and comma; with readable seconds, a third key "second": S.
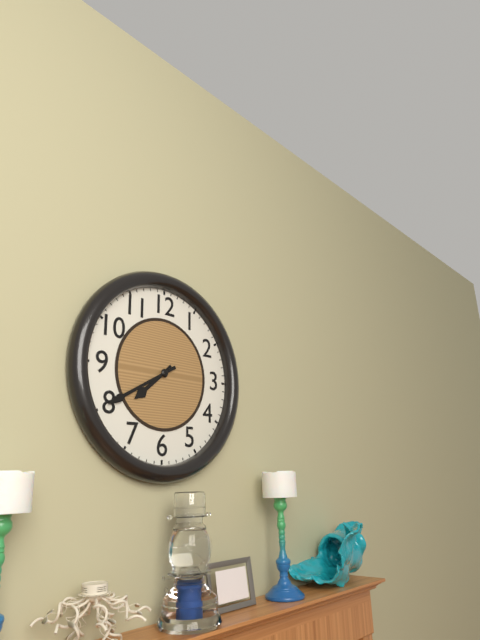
{"hour": 7, "minute": 40}
